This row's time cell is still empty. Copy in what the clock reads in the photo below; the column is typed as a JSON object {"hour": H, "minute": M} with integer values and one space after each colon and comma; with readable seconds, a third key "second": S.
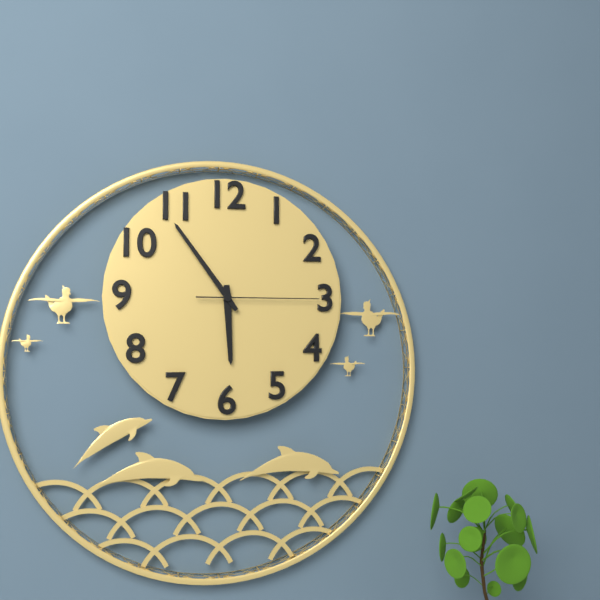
{"hour": 5, "minute": 54, "second": 15}
